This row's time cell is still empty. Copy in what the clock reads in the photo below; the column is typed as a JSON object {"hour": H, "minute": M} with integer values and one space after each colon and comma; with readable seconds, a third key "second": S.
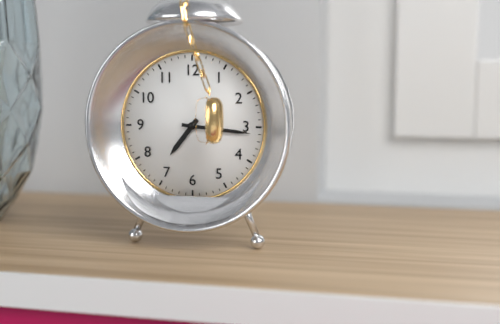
{"hour": 7, "minute": 16}
